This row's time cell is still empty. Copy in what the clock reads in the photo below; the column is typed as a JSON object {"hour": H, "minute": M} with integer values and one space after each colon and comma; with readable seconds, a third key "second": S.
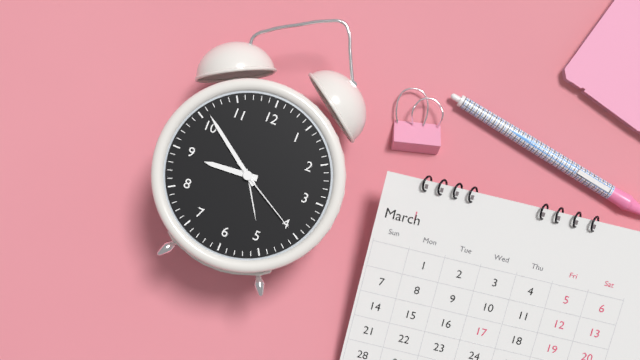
{"hour": 8, "minute": 51, "second": 20}
